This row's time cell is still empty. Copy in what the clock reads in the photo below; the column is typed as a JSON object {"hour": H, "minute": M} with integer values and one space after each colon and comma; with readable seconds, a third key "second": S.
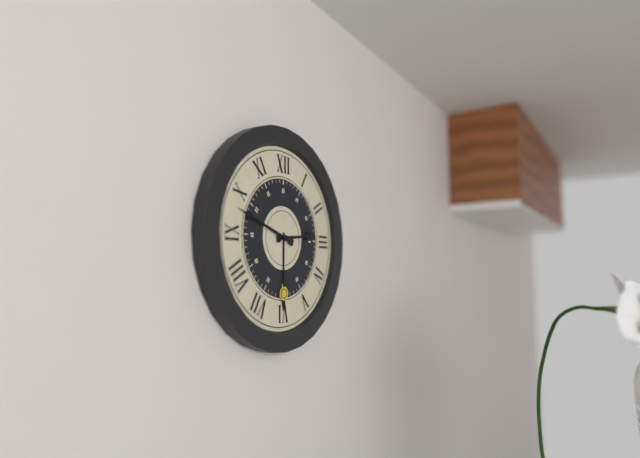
{"hour": 2, "minute": 48}
